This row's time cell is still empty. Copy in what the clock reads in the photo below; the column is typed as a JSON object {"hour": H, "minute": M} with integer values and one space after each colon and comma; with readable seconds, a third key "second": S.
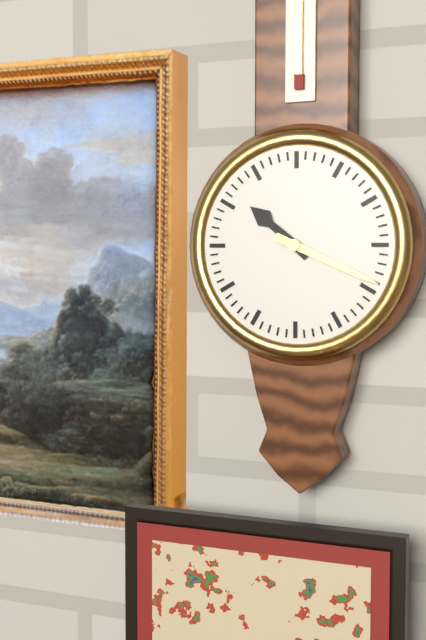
{"hour": 10, "minute": 19}
